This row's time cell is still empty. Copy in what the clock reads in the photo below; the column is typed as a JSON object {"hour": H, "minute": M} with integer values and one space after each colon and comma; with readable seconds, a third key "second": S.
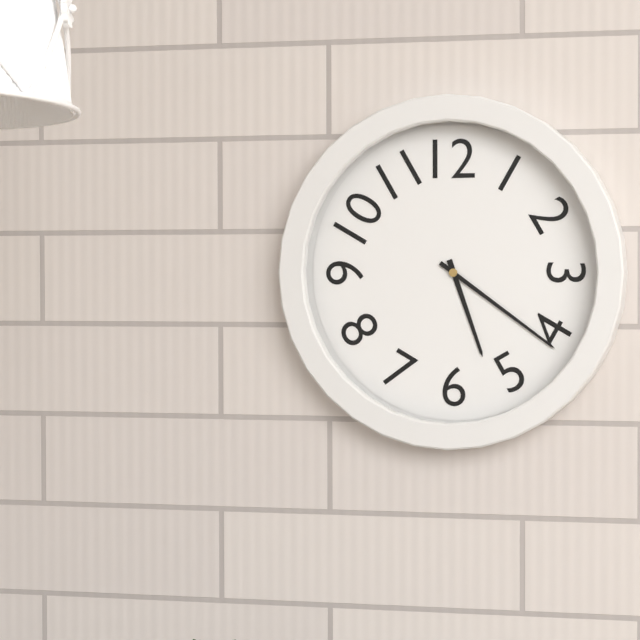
{"hour": 5, "minute": 21}
